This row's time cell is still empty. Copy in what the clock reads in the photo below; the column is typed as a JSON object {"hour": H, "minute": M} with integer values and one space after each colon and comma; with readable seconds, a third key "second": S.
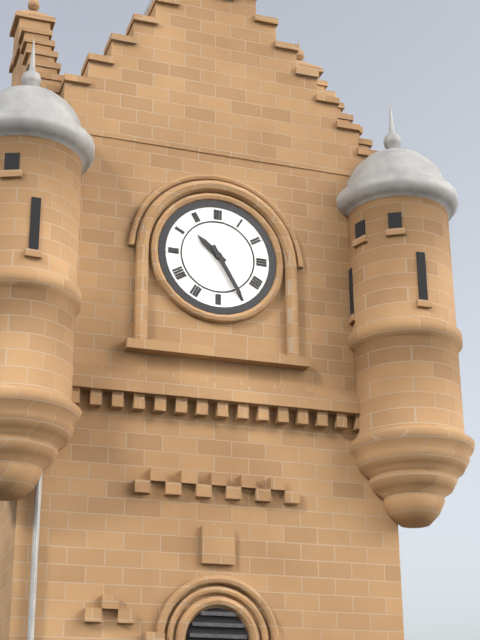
{"hour": 10, "minute": 25}
